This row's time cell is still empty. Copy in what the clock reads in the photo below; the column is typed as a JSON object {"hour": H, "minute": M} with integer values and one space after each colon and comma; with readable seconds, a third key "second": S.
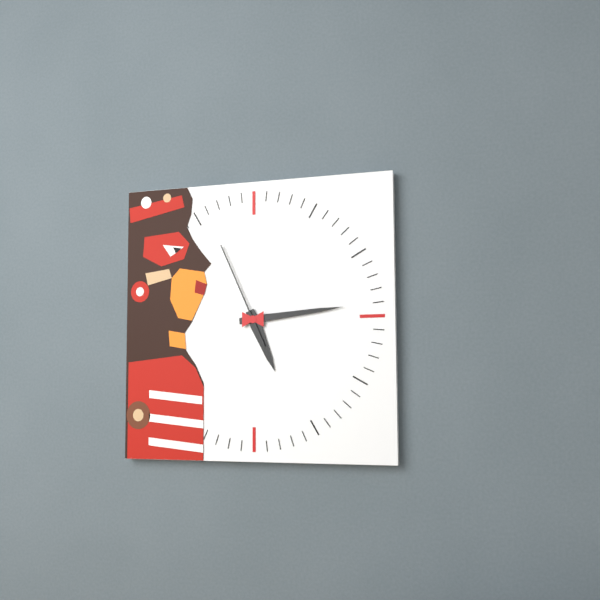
{"hour": 5, "minute": 14, "second": 56}
